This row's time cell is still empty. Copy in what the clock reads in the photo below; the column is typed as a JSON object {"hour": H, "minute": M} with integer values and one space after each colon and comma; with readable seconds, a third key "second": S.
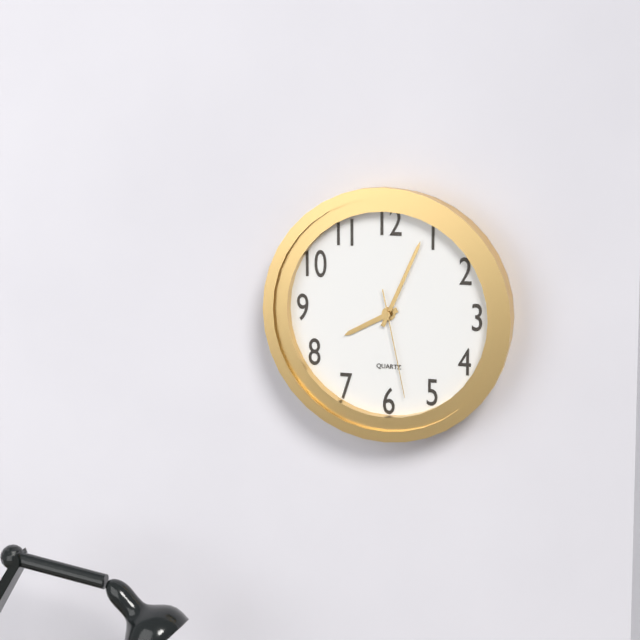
{"hour": 8, "minute": 4, "second": 28}
